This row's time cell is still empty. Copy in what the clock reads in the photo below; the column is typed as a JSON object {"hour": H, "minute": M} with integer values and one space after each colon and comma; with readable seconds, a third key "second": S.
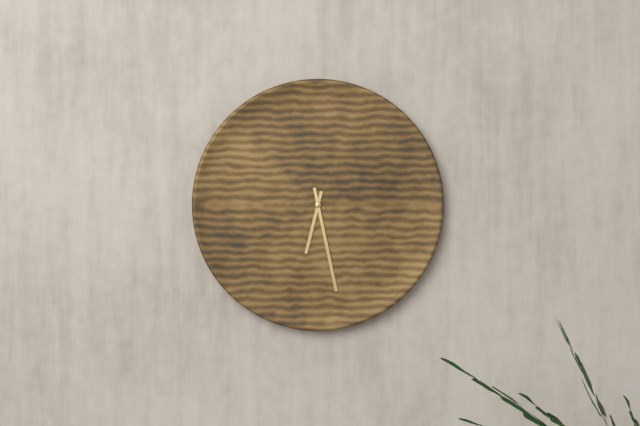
{"hour": 6, "minute": 28}
